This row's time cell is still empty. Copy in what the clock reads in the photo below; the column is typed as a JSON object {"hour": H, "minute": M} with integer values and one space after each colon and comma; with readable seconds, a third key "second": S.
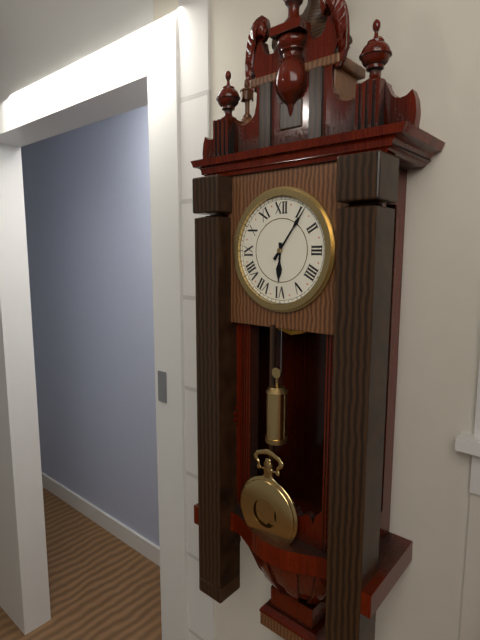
{"hour": 6, "minute": 6}
